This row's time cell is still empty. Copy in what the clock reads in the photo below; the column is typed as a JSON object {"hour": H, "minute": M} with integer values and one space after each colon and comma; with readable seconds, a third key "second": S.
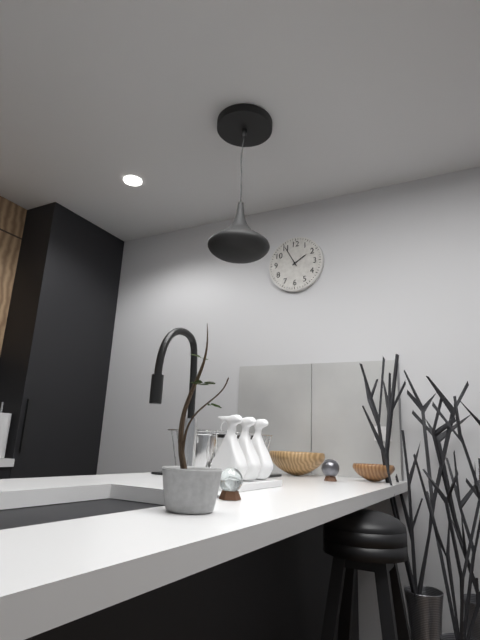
{"hour": 1, "minute": 55}
